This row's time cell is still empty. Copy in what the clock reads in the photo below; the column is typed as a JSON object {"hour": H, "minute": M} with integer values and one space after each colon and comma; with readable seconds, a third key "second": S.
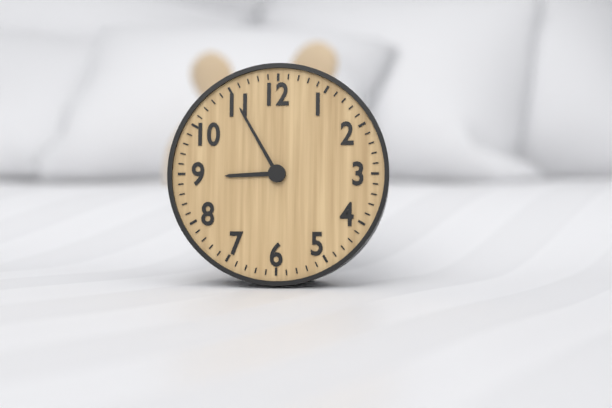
{"hour": 8, "minute": 55}
